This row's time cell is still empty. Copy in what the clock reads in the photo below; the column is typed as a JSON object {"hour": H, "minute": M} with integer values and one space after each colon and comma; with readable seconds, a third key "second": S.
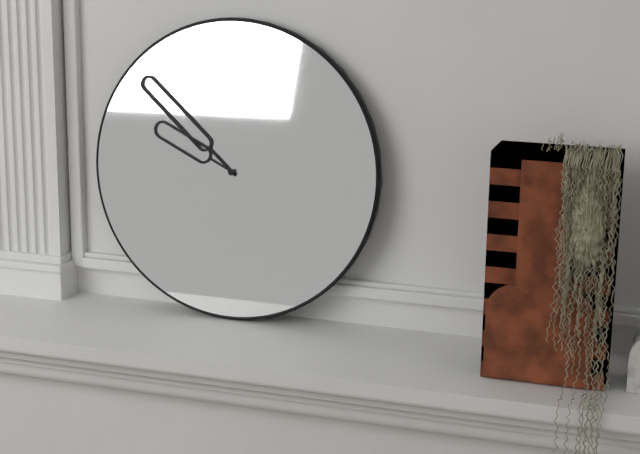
{"hour": 9, "minute": 52}
